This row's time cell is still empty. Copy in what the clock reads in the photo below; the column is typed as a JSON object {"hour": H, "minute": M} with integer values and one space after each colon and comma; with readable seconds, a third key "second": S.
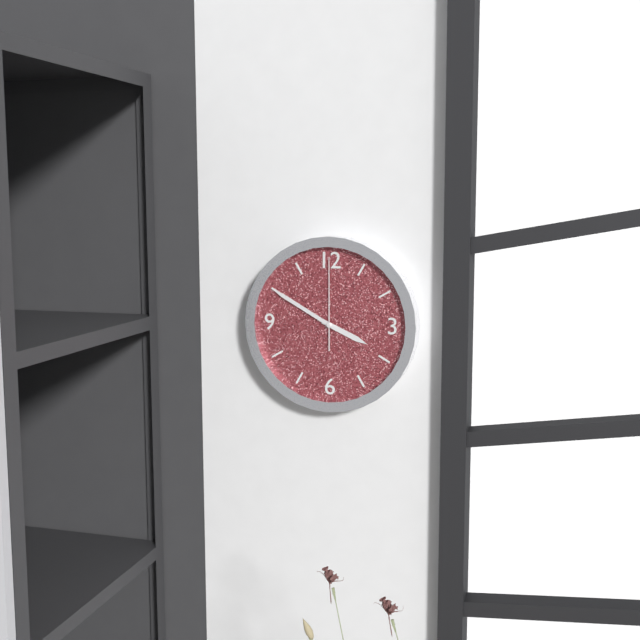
{"hour": 3, "minute": 50, "second": 0}
